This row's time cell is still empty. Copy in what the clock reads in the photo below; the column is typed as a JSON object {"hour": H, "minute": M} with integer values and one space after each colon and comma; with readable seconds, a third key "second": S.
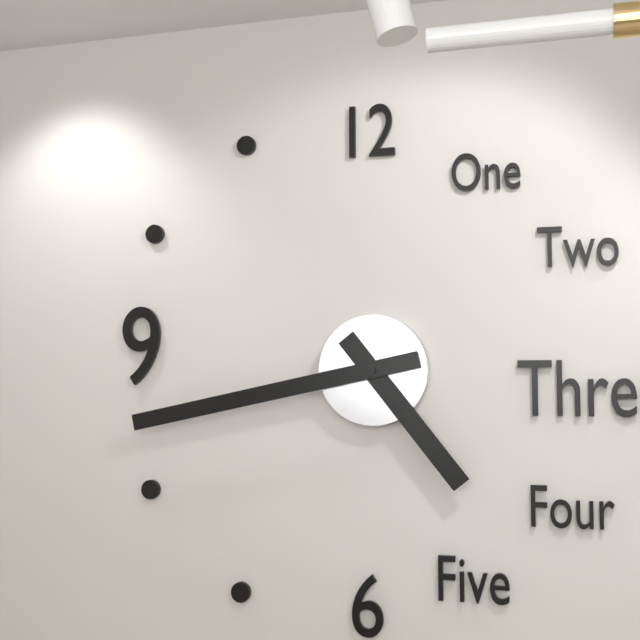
{"hour": 4, "minute": 43}
